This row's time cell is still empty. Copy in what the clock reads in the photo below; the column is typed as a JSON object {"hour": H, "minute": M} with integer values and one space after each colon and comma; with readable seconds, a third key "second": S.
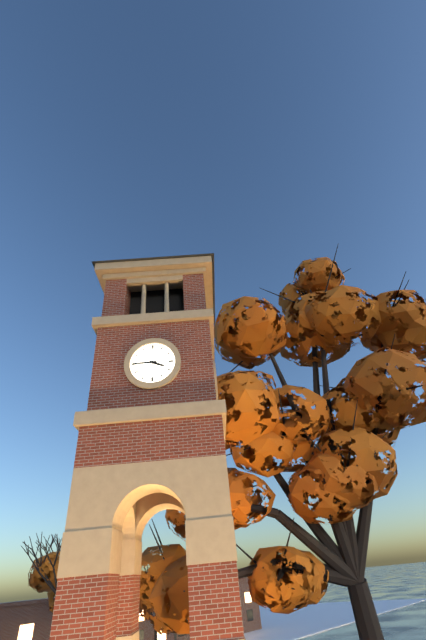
{"hour": 3, "minute": 45}
